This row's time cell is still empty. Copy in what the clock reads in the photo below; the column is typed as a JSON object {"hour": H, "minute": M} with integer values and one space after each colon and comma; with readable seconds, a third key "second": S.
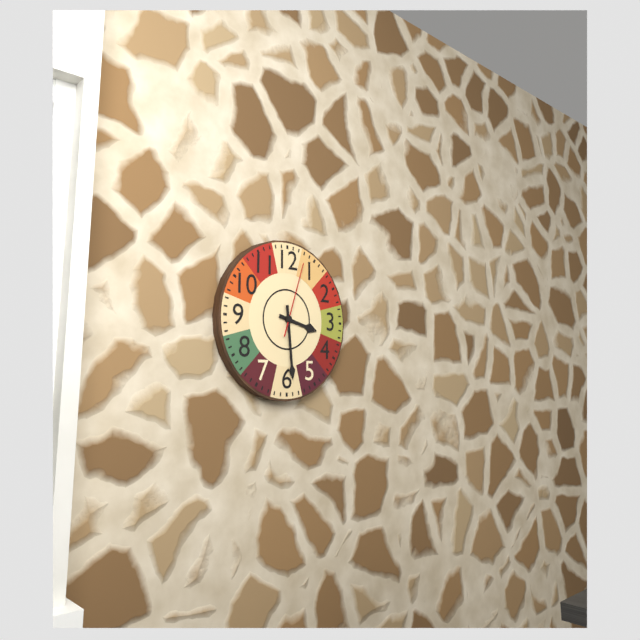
{"hour": 3, "minute": 29, "second": 3}
